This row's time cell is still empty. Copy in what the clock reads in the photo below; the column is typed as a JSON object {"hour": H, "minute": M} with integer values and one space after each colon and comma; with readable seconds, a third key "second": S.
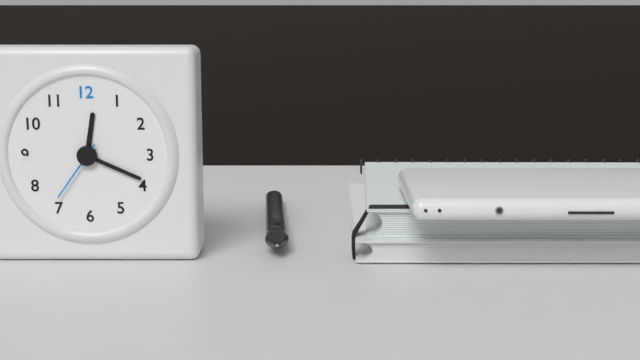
{"hour": 12, "minute": 19, "second": 36}
